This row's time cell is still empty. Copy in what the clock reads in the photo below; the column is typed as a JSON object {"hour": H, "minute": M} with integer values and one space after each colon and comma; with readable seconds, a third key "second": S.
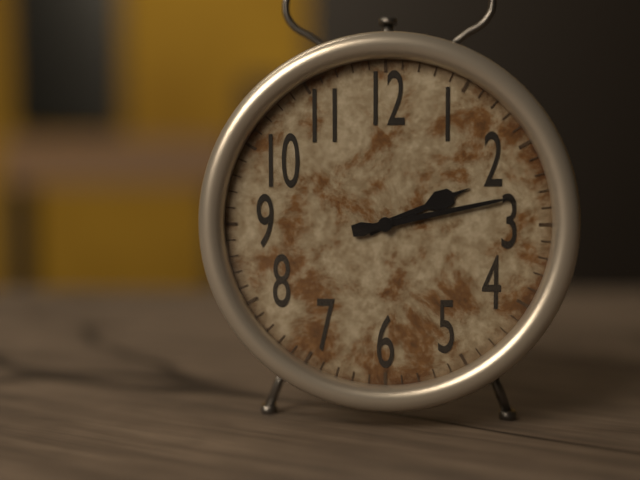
{"hour": 2, "minute": 13}
